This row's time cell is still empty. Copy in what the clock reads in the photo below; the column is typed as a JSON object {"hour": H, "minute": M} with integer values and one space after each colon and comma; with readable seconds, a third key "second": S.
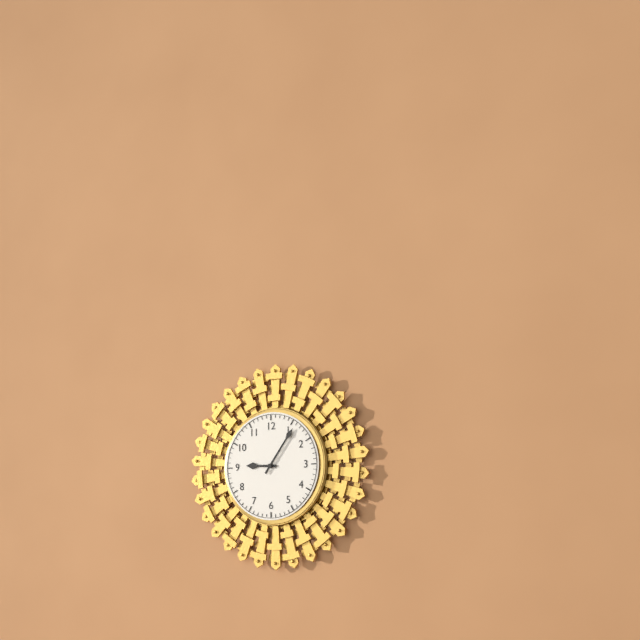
{"hour": 9, "minute": 6}
